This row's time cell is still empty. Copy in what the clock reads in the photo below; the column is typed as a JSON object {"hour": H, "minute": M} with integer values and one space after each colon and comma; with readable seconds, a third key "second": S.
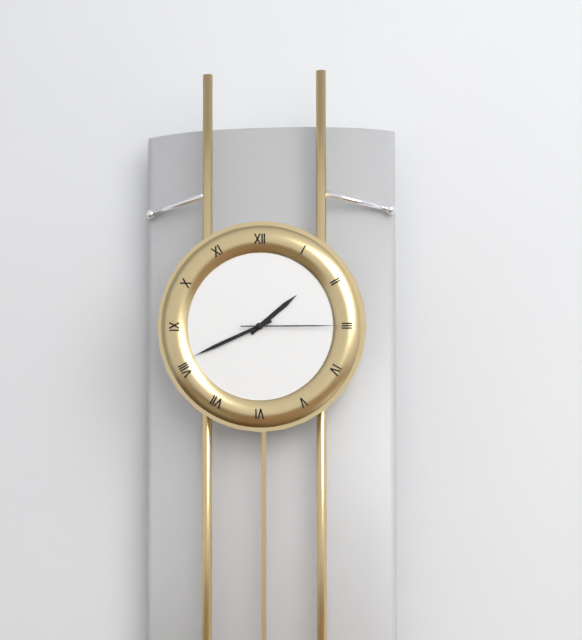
{"hour": 1, "minute": 41, "second": 15}
